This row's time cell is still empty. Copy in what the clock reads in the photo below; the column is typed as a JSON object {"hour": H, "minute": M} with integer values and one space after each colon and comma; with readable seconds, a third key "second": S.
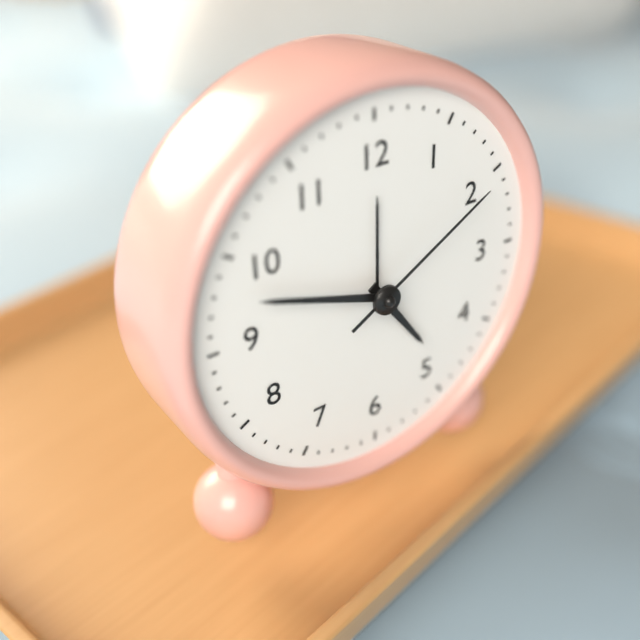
{"hour": 4, "minute": 48, "second": 10}
